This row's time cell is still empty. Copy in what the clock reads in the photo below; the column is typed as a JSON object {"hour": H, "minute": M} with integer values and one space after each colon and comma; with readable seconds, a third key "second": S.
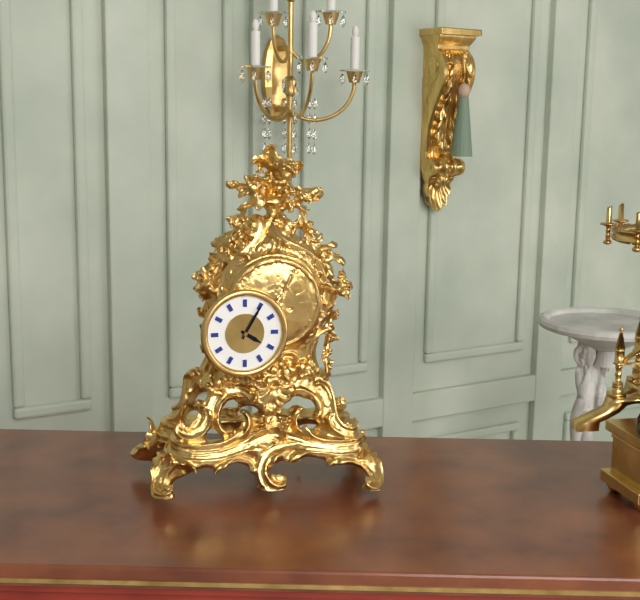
{"hour": 4, "minute": 5}
